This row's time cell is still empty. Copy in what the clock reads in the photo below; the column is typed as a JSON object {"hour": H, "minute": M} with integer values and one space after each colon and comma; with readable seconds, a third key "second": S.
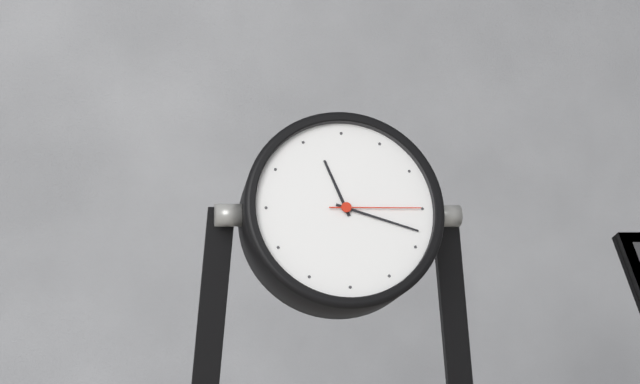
{"hour": 11, "minute": 18, "second": 15}
